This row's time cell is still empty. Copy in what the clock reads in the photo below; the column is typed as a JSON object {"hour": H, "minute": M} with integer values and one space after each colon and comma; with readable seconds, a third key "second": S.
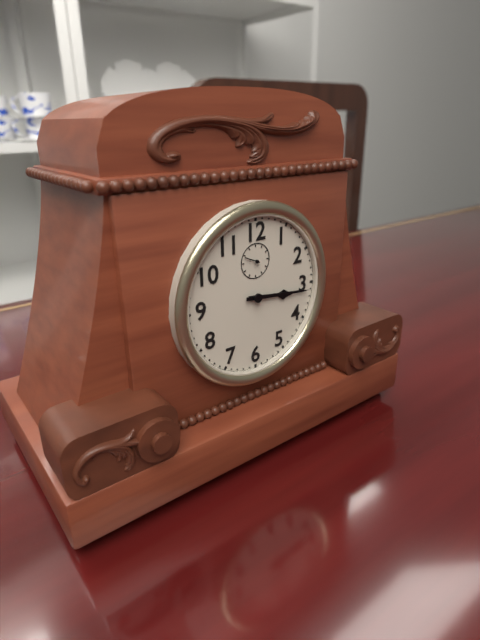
{"hour": 3, "minute": 16}
